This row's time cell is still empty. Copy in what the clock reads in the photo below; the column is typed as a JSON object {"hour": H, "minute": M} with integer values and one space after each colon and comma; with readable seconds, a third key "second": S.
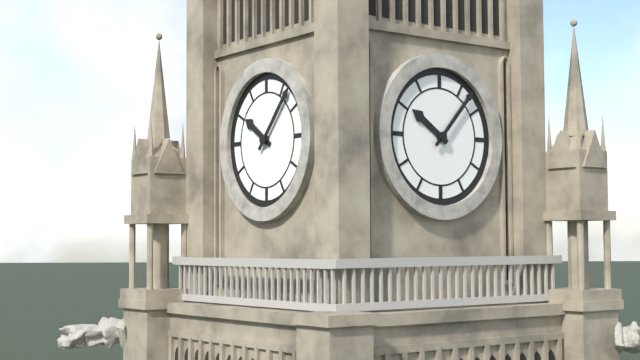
{"hour": 10, "minute": 7}
